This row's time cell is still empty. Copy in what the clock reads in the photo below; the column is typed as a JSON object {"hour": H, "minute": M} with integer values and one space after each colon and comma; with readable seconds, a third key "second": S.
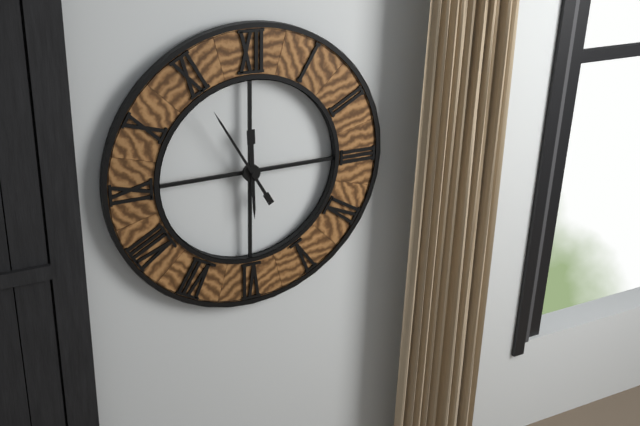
{"hour": 5, "minute": 55}
